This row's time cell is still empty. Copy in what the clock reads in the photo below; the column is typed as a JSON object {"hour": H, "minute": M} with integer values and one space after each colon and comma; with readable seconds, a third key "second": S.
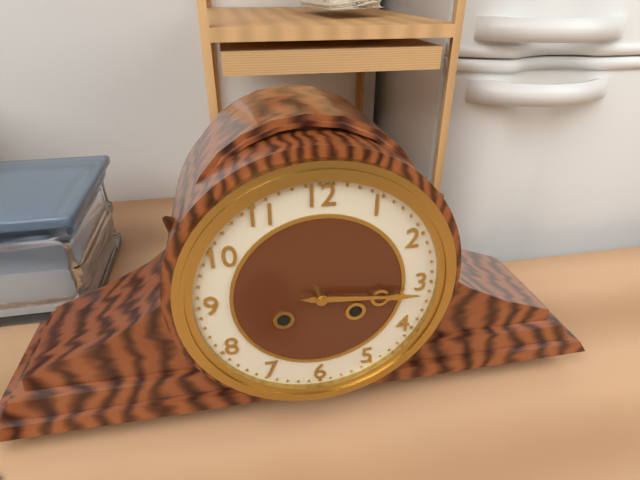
{"hour": 3, "minute": 16}
